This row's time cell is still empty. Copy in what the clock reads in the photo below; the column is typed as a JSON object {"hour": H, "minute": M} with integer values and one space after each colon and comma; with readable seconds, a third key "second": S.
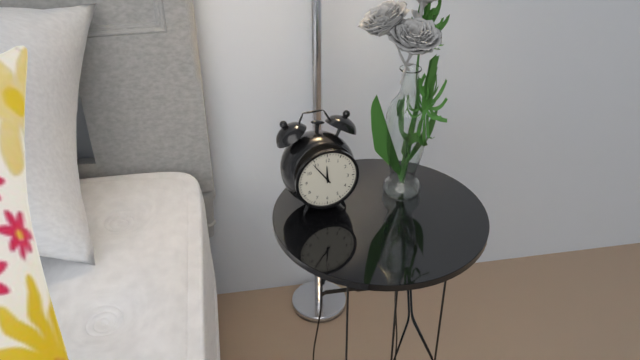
{"hour": 11, "minute": 54}
